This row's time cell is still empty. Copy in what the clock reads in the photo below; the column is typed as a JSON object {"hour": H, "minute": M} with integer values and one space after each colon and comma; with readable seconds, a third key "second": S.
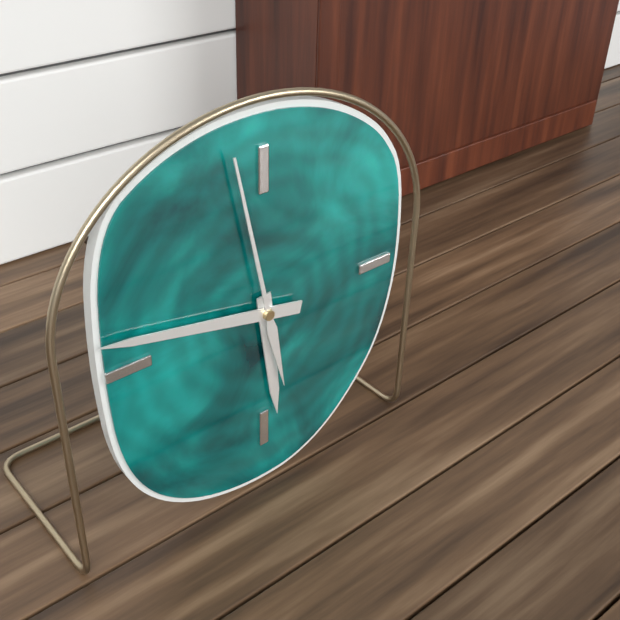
{"hour": 5, "minute": 47, "second": 58}
